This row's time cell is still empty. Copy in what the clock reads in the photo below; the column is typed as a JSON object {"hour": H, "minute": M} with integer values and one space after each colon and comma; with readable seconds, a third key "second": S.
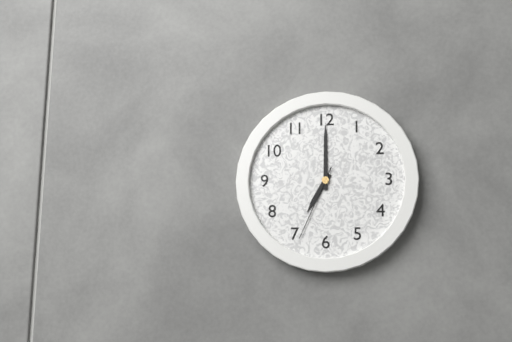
{"hour": 7, "minute": 0, "second": 34}
